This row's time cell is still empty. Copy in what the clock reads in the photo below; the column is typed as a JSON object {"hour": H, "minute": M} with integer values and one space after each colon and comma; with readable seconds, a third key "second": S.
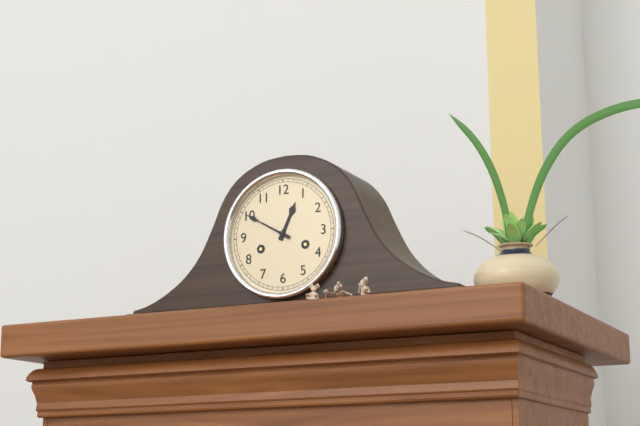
{"hour": 12, "minute": 50}
